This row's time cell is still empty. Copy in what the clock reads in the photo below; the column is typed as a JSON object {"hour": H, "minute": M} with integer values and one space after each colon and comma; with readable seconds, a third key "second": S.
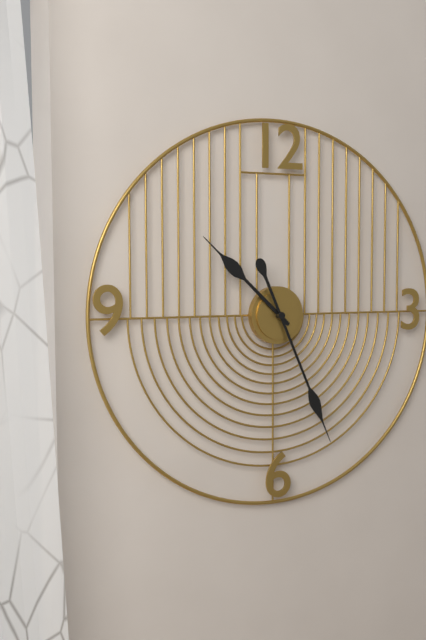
{"hour": 10, "minute": 26}
